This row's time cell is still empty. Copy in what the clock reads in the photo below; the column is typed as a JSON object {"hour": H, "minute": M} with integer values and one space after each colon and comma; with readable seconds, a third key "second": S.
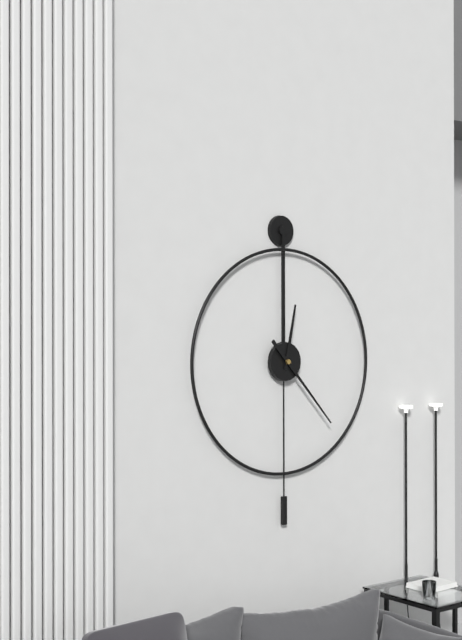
{"hour": 12, "minute": 23}
